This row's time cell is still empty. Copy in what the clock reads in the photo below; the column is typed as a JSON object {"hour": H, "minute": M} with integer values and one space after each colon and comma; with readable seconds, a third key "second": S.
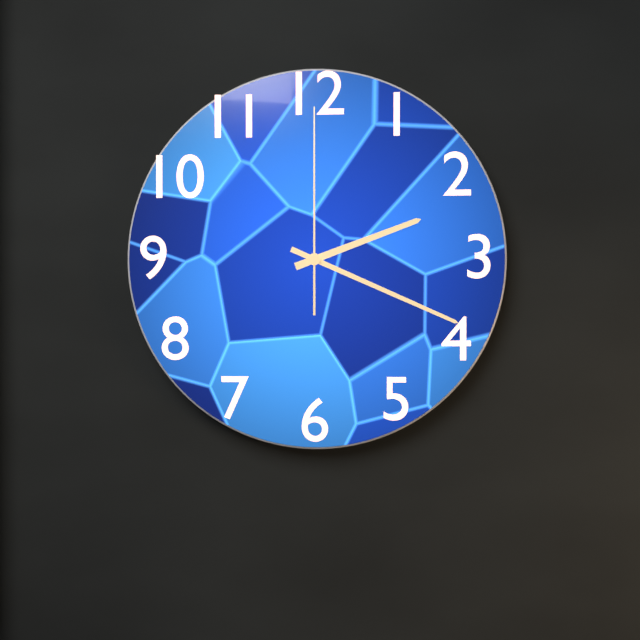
{"hour": 2, "minute": 19, "second": 0}
